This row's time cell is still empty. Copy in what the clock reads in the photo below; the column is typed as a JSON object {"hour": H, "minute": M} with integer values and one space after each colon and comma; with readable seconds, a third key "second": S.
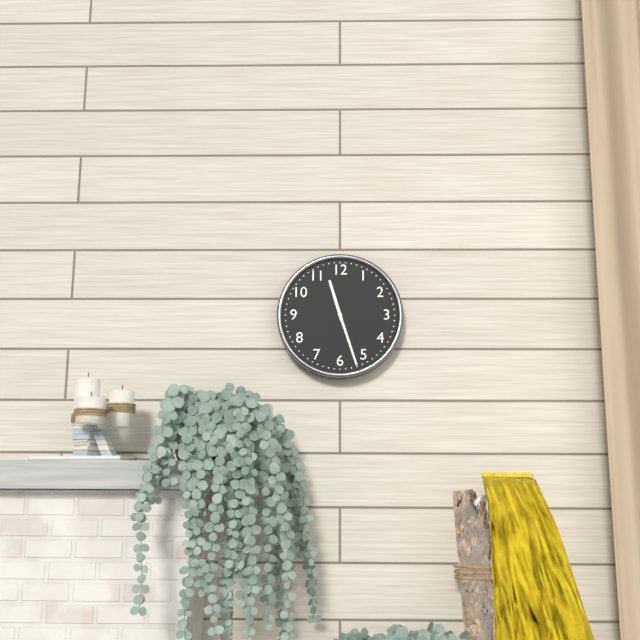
{"hour": 11, "minute": 27}
